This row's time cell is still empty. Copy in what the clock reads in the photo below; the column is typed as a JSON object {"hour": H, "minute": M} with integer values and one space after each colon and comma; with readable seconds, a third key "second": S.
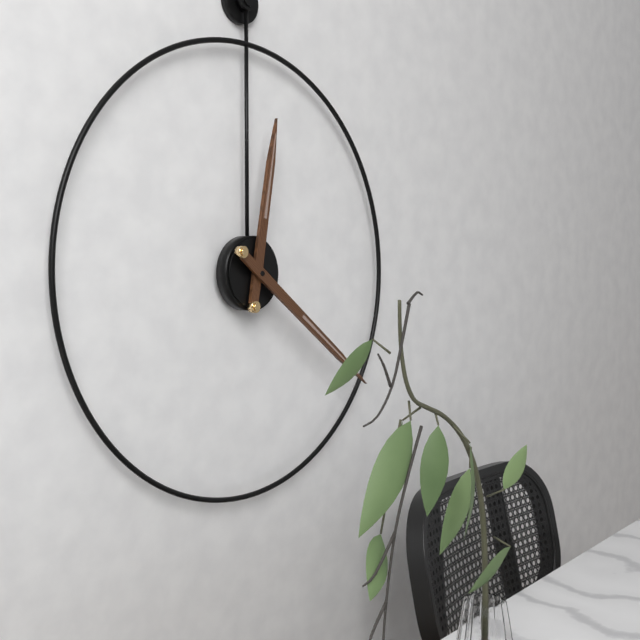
{"hour": 12, "minute": 21}
